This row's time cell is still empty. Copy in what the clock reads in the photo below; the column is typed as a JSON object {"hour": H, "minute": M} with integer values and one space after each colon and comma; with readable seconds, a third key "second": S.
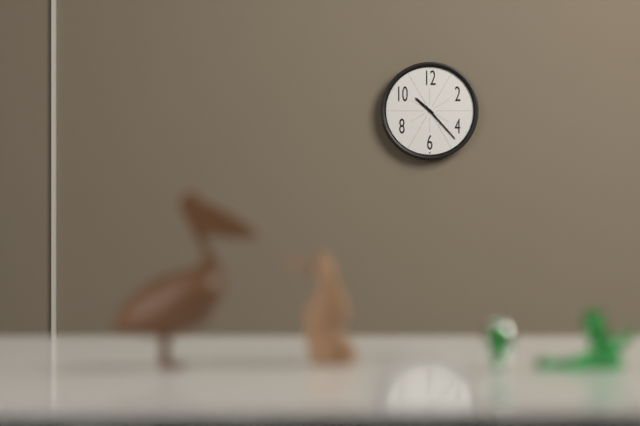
{"hour": 10, "minute": 23}
